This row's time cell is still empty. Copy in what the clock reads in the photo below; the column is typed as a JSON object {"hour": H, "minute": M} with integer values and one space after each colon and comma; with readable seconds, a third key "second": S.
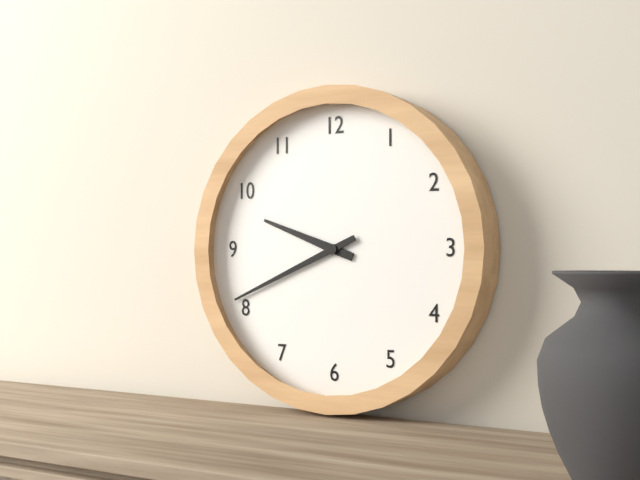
{"hour": 9, "minute": 41}
